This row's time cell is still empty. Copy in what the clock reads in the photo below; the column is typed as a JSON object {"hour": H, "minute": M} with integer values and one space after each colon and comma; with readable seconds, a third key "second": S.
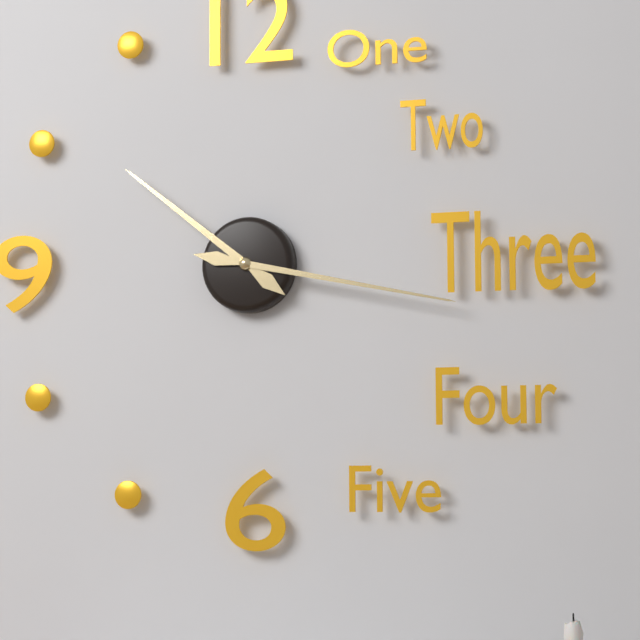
{"hour": 10, "minute": 17}
